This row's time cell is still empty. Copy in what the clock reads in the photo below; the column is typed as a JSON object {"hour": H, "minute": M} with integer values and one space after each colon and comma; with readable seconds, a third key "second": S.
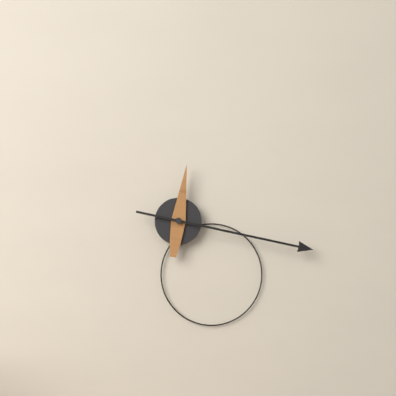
{"hour": 12, "minute": 17}
